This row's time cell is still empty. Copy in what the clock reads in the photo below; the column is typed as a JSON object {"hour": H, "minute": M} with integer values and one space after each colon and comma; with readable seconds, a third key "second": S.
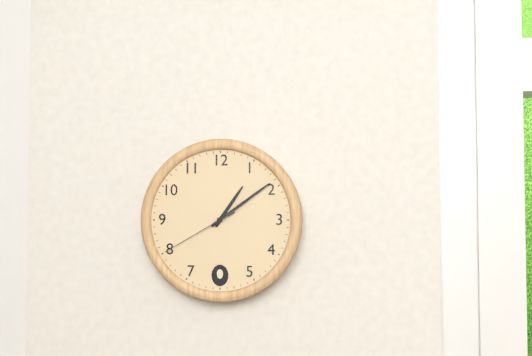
{"hour": 1, "minute": 9, "second": 40}
